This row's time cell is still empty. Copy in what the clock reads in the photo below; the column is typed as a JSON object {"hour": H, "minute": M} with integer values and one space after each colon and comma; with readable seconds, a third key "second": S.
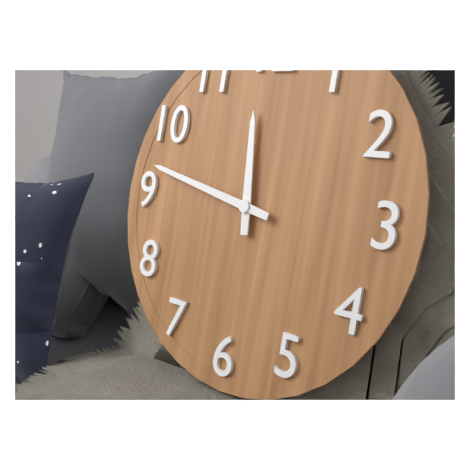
{"hour": 11, "minute": 47}
